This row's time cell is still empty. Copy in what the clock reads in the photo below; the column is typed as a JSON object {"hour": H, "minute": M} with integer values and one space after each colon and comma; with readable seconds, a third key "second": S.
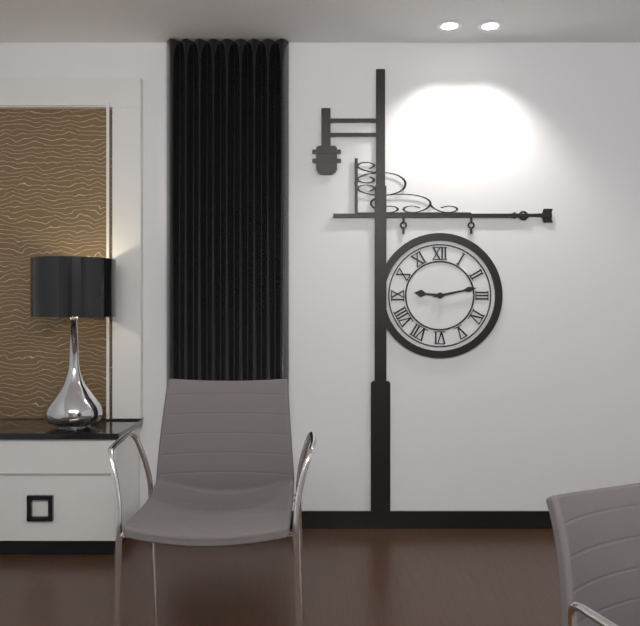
{"hour": 9, "minute": 13}
